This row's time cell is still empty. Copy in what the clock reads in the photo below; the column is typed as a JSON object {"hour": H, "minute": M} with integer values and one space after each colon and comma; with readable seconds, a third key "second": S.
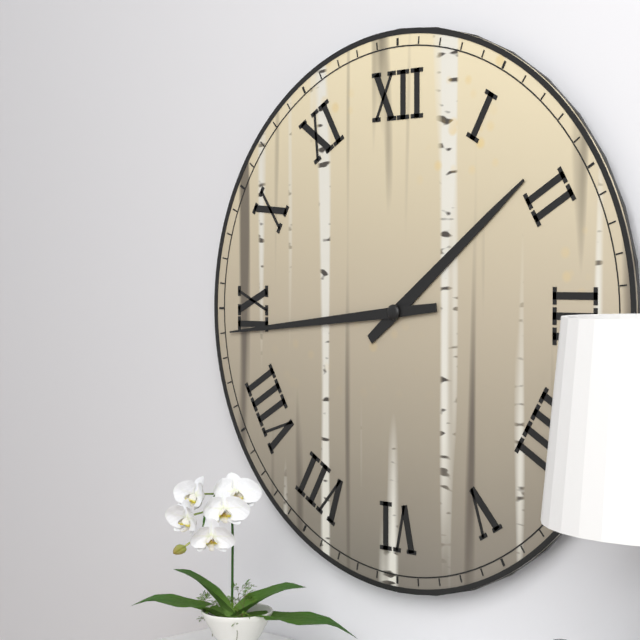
{"hour": 1, "minute": 44}
